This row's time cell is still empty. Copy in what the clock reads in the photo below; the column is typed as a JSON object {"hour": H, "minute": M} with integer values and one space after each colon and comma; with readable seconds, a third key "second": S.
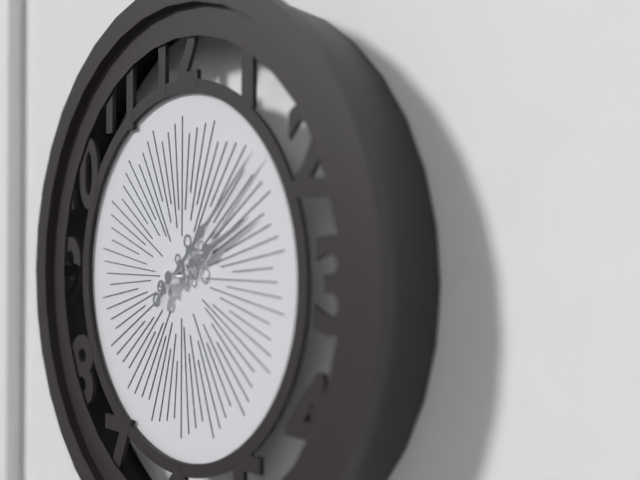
{"hour": 2, "minute": 8}
